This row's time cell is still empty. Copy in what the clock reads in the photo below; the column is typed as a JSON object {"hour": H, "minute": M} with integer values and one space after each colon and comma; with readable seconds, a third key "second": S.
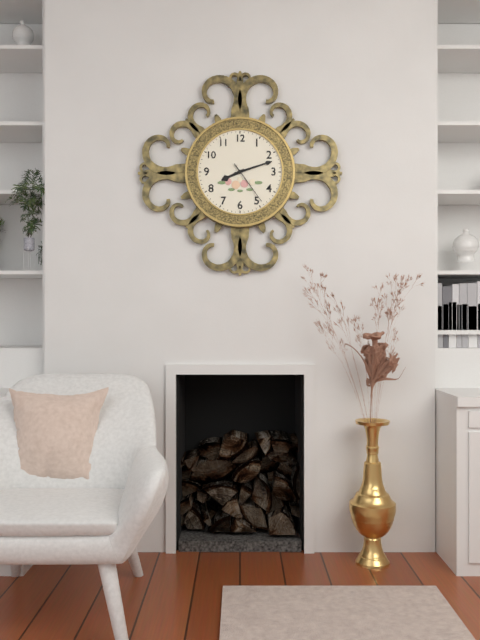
{"hour": 8, "minute": 12}
